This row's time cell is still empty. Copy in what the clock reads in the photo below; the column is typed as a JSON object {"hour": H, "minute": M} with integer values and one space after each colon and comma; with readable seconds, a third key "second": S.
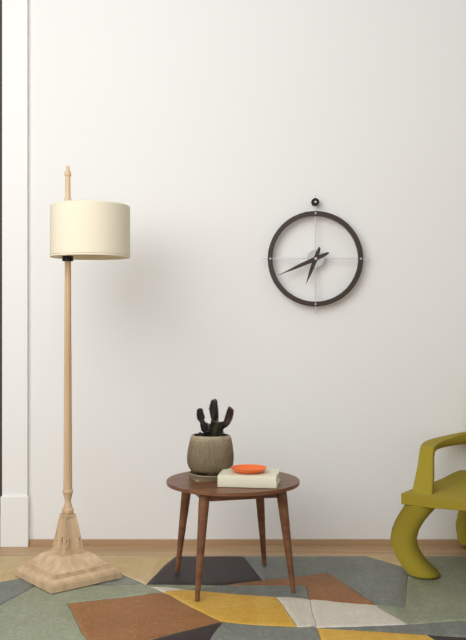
{"hour": 6, "minute": 41}
